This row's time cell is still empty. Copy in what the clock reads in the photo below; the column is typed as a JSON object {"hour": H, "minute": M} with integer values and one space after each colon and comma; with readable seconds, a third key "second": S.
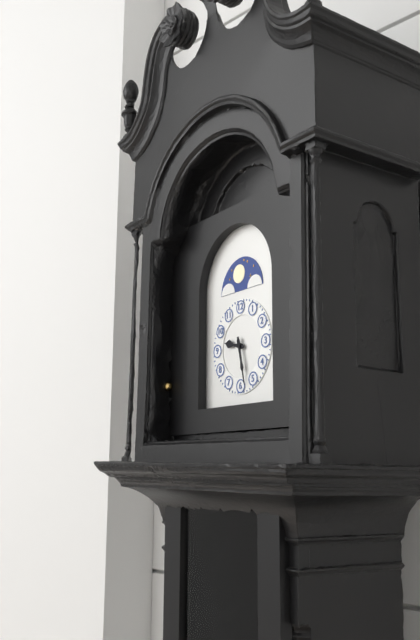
{"hour": 9, "minute": 28}
